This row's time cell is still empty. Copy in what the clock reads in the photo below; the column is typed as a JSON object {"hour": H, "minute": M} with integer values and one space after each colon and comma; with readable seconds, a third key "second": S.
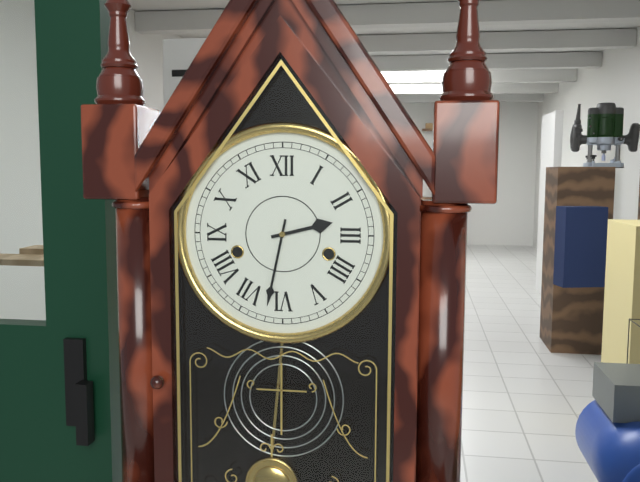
{"hour": 2, "minute": 32}
